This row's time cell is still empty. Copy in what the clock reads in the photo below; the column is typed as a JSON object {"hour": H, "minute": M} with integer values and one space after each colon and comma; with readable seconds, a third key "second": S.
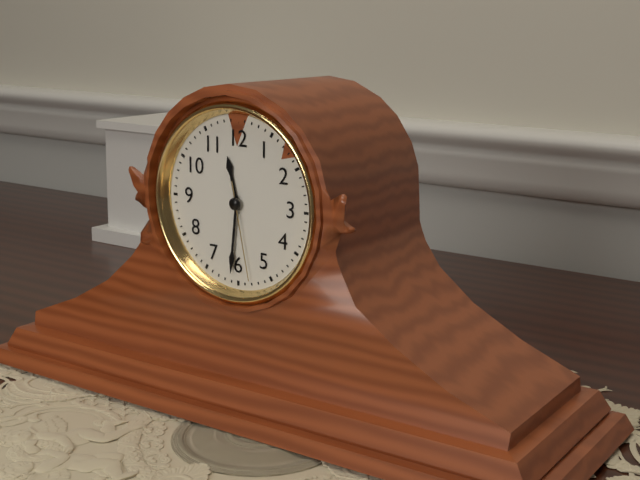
{"hour": 11, "minute": 31, "second": 28}
